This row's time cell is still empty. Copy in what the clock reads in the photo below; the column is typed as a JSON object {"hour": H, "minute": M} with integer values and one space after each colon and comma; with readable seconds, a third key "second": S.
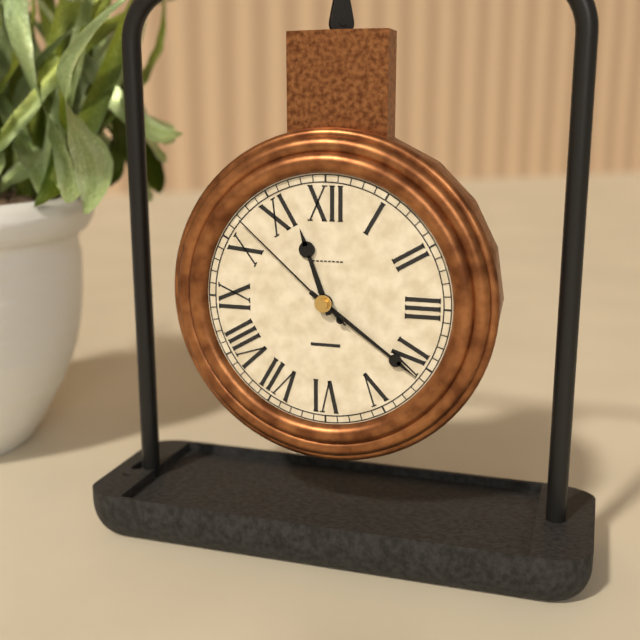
{"hour": 11, "minute": 21, "second": 52}
